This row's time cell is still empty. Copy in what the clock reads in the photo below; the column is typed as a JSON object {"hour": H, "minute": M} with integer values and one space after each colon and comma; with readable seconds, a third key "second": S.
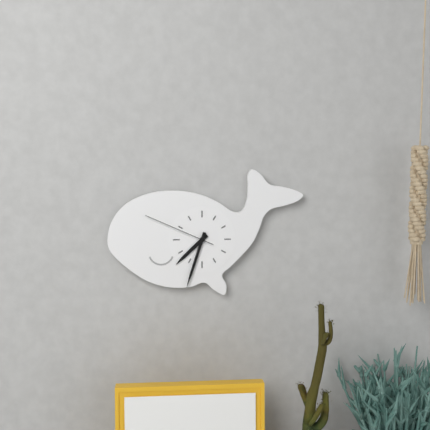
{"hour": 7, "minute": 33, "second": 49}
